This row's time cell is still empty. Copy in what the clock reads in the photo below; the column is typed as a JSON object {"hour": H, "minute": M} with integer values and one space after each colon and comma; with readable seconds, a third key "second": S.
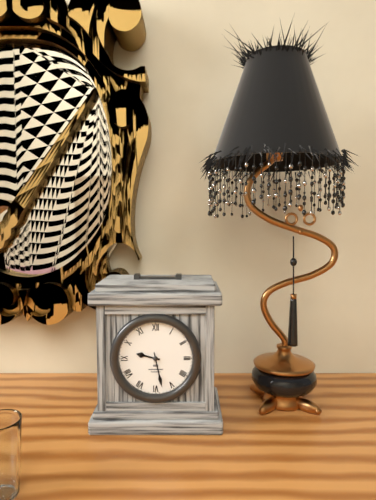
{"hour": 9, "minute": 28}
